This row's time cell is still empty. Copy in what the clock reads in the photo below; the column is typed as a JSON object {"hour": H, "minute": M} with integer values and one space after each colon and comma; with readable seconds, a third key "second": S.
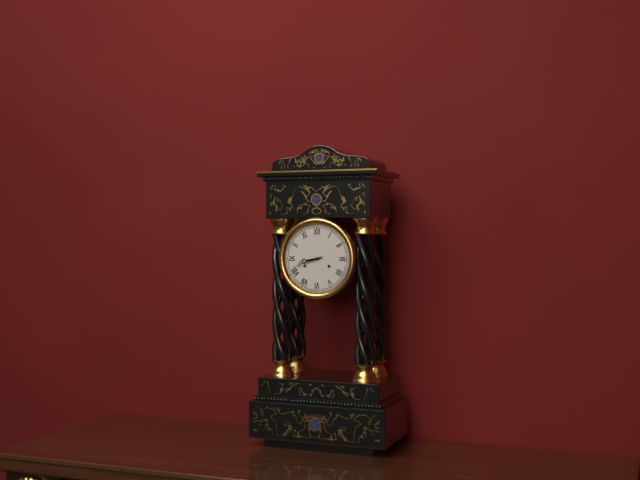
{"hour": 8, "minute": 42}
